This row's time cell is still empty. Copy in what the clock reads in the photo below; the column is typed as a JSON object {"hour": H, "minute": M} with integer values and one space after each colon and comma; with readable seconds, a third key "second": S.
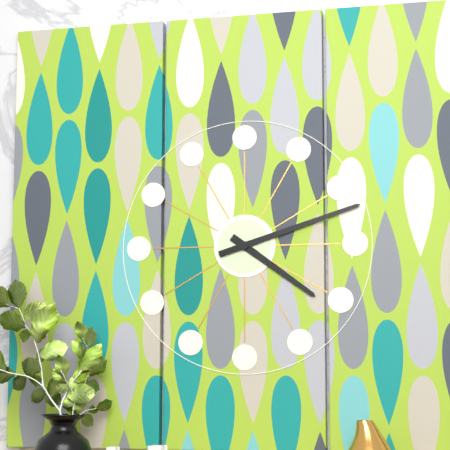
{"hour": 4, "minute": 12}
